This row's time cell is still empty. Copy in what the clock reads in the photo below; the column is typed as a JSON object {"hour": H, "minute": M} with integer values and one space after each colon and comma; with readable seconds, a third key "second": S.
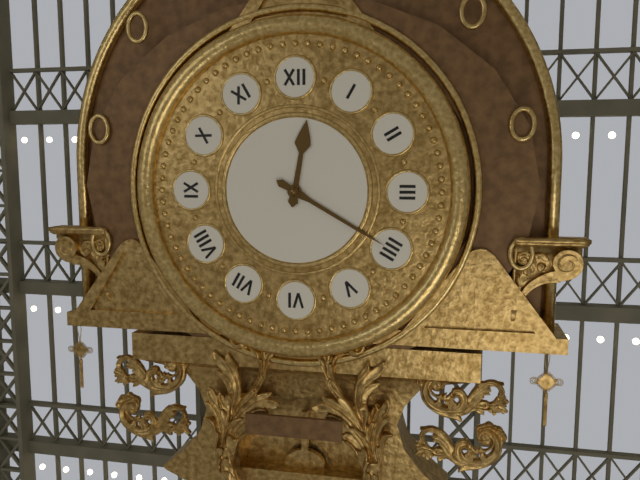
{"hour": 12, "minute": 20}
